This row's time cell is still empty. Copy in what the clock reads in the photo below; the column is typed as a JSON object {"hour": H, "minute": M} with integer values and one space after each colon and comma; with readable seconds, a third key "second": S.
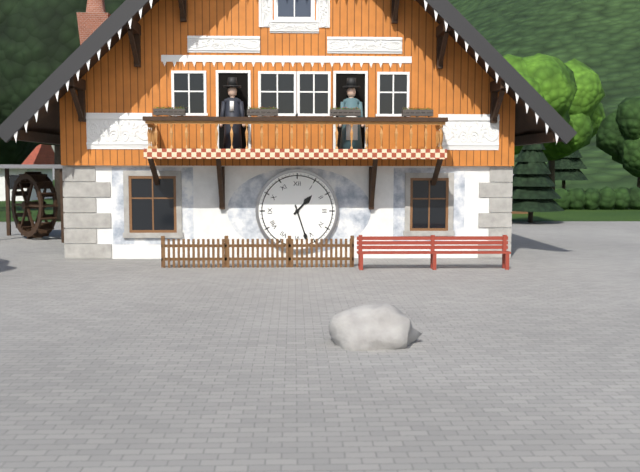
{"hour": 1, "minute": 27}
